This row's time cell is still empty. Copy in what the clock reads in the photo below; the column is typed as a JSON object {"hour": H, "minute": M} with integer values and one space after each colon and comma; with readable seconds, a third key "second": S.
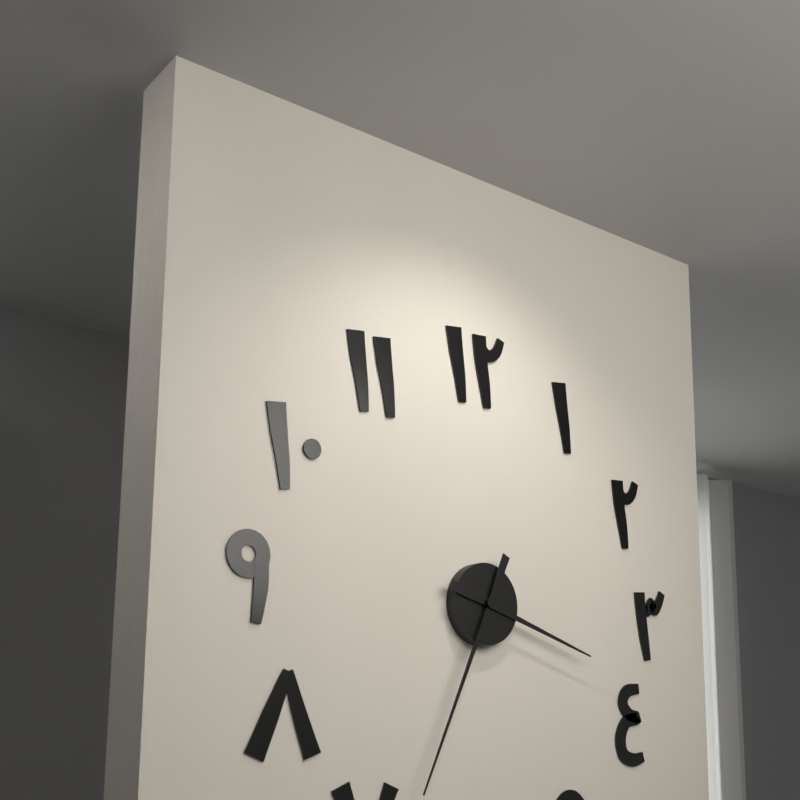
{"hour": 3, "minute": 34}
